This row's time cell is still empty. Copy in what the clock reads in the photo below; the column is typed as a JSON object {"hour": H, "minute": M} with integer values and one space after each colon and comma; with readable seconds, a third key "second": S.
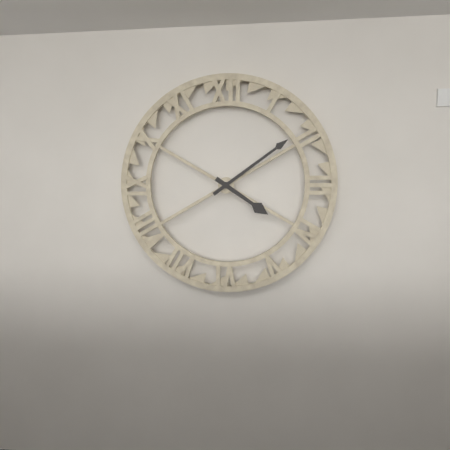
{"hour": 4, "minute": 9}
